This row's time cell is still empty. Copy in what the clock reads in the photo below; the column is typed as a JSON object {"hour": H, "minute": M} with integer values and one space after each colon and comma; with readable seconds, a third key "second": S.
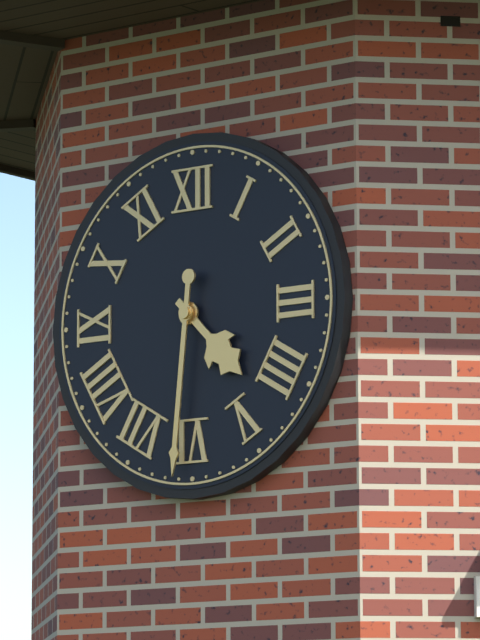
{"hour": 4, "minute": 31}
